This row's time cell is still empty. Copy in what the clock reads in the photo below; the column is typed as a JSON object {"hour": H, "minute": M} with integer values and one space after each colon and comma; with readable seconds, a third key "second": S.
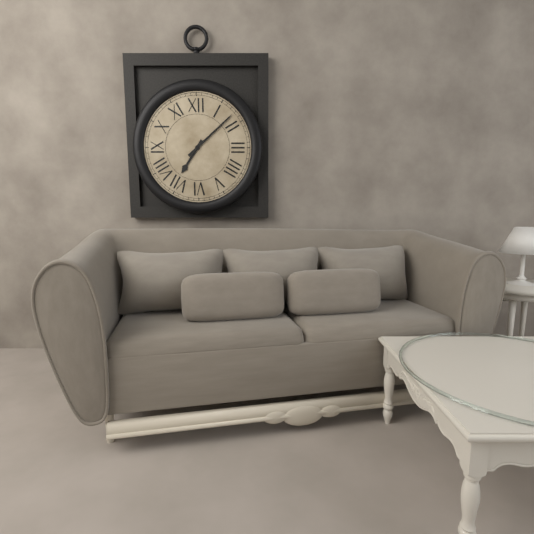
{"hour": 7, "minute": 8}
